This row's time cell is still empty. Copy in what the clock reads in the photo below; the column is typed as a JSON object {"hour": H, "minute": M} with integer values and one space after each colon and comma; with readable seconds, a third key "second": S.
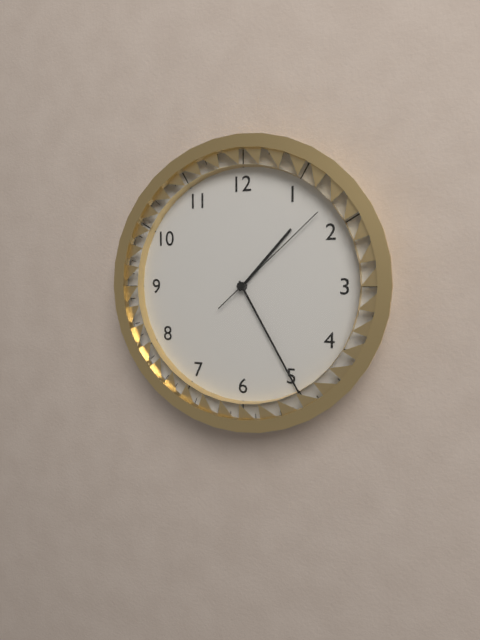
{"hour": 1, "minute": 25, "second": 8}
